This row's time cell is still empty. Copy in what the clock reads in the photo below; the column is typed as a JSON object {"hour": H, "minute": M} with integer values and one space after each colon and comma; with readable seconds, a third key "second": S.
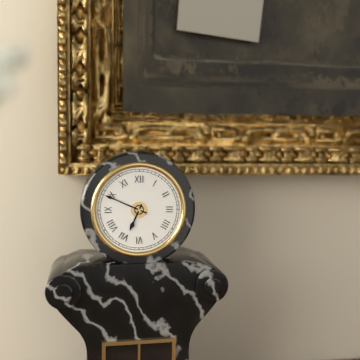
{"hour": 6, "minute": 49}
